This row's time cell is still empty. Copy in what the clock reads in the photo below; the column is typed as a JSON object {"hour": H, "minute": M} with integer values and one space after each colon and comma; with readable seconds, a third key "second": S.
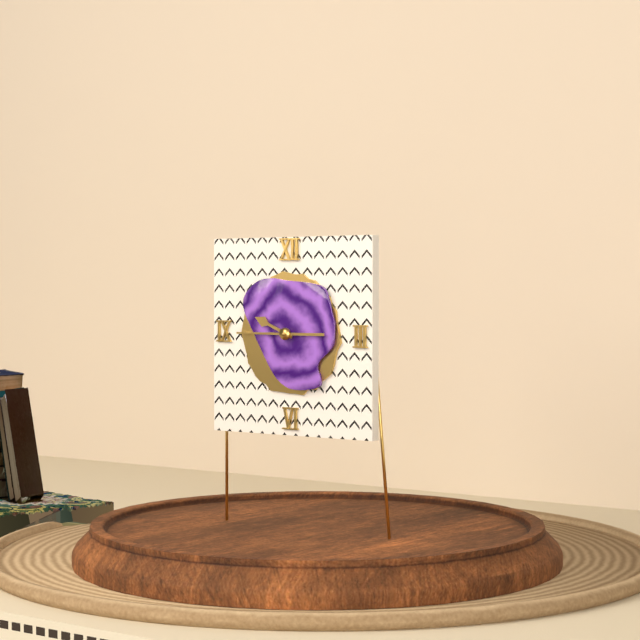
{"hour": 9, "minute": 45}
